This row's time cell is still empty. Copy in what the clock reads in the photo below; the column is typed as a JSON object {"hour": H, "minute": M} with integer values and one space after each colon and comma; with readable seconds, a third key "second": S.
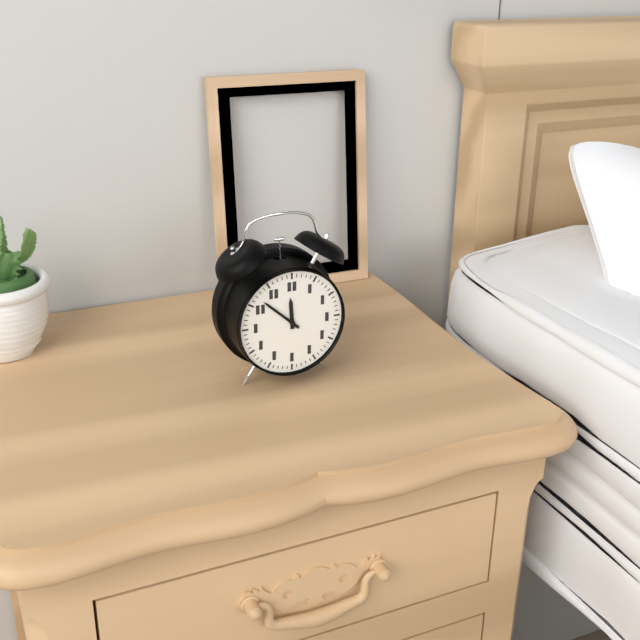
{"hour": 11, "minute": 52}
